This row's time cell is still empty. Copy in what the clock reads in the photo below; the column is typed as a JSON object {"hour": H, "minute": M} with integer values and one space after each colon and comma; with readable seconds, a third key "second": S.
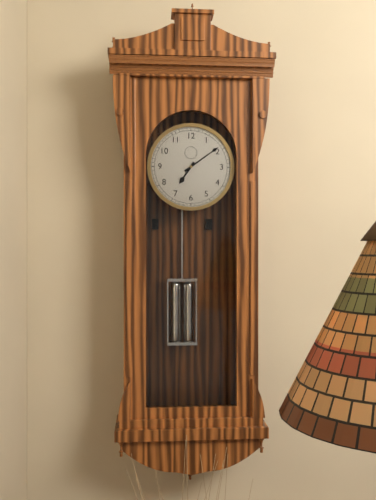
{"hour": 7, "minute": 9}
